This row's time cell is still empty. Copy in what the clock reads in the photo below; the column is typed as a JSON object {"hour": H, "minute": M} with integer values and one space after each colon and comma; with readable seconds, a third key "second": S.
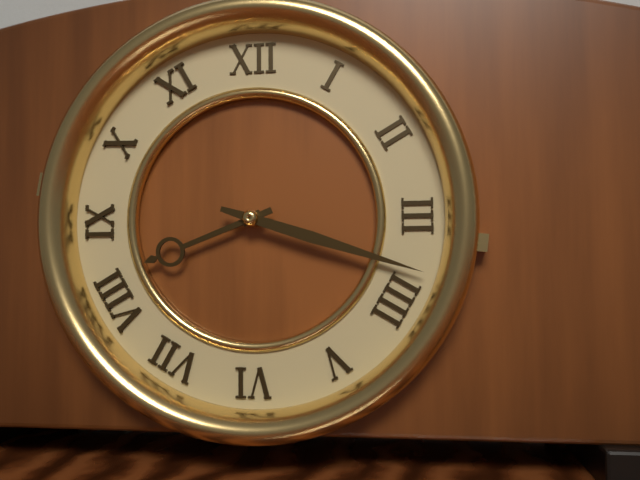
{"hour": 8, "minute": 18}
